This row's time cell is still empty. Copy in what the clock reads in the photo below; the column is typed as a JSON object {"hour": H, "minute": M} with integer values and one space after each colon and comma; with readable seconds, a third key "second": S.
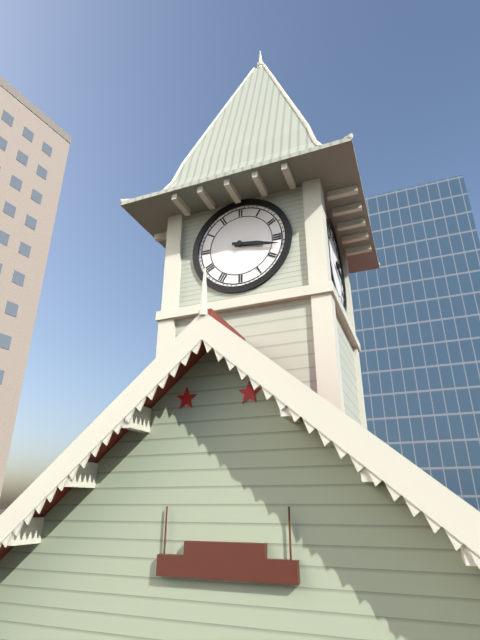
{"hour": 3, "minute": 17}
